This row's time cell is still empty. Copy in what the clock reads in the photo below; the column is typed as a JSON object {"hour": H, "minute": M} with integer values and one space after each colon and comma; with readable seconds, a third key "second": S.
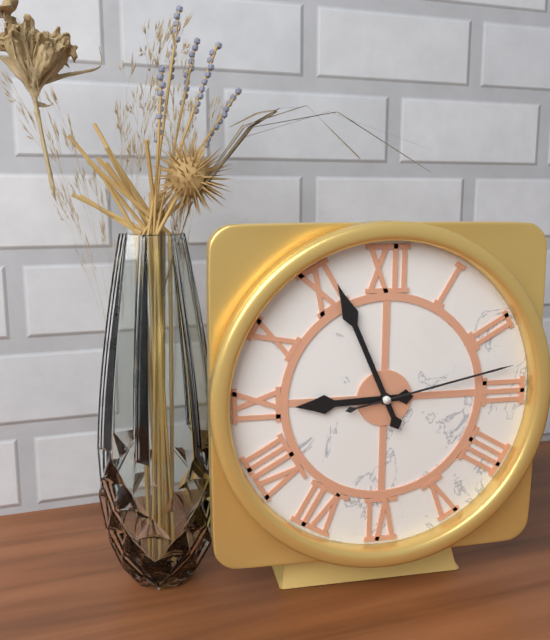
{"hour": 8, "minute": 56, "second": 13}
